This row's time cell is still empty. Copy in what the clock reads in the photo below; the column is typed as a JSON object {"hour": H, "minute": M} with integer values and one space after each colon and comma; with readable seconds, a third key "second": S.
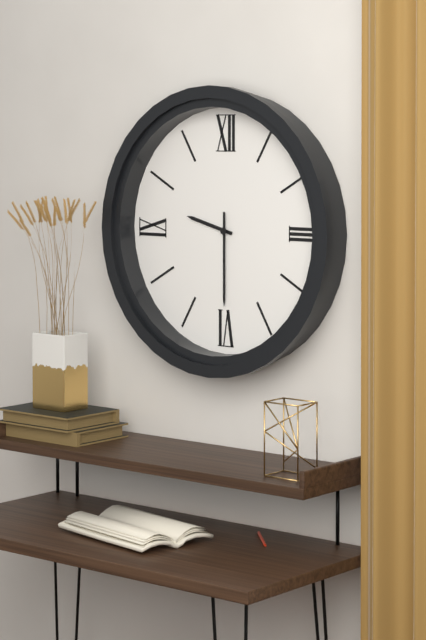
{"hour": 9, "minute": 30}
